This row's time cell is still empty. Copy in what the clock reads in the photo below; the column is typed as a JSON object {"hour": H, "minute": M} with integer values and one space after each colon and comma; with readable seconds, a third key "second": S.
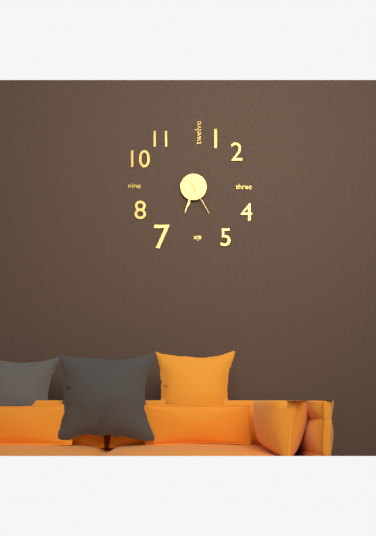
{"hour": 6, "minute": 33}
